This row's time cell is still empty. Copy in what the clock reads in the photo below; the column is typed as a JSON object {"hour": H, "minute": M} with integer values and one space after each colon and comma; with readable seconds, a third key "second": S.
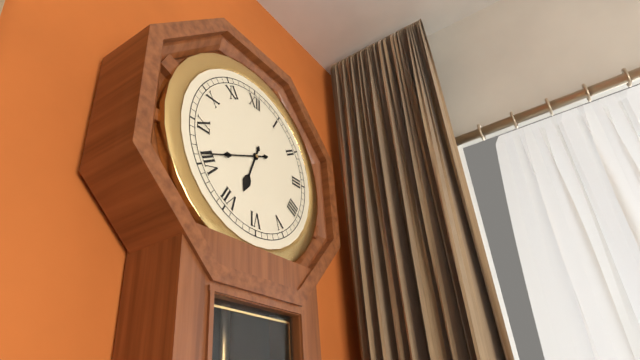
{"hour": 6, "minute": 41}
